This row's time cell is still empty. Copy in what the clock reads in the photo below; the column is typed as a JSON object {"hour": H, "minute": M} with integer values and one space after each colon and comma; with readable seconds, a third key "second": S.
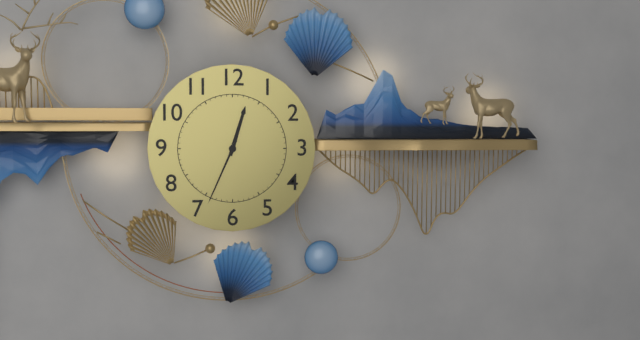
{"hour": 12, "minute": 34}
